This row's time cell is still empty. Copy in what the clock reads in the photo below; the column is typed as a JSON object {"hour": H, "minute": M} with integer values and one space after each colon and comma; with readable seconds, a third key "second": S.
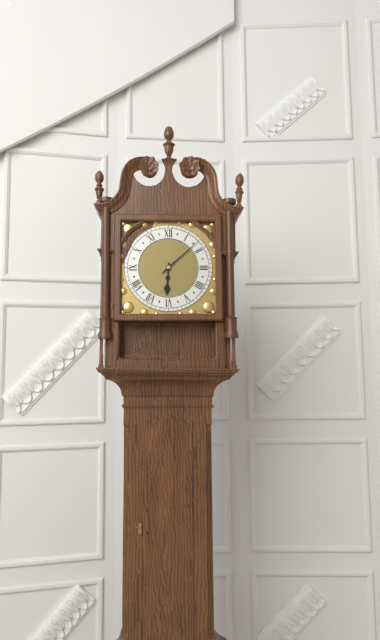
{"hour": 6, "minute": 8}
